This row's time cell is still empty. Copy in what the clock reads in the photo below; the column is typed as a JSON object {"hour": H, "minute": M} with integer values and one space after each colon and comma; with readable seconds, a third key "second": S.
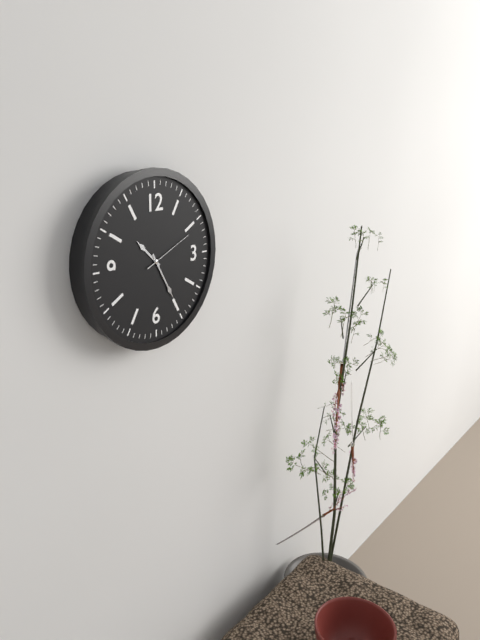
{"hour": 10, "minute": 25, "second": 11}
